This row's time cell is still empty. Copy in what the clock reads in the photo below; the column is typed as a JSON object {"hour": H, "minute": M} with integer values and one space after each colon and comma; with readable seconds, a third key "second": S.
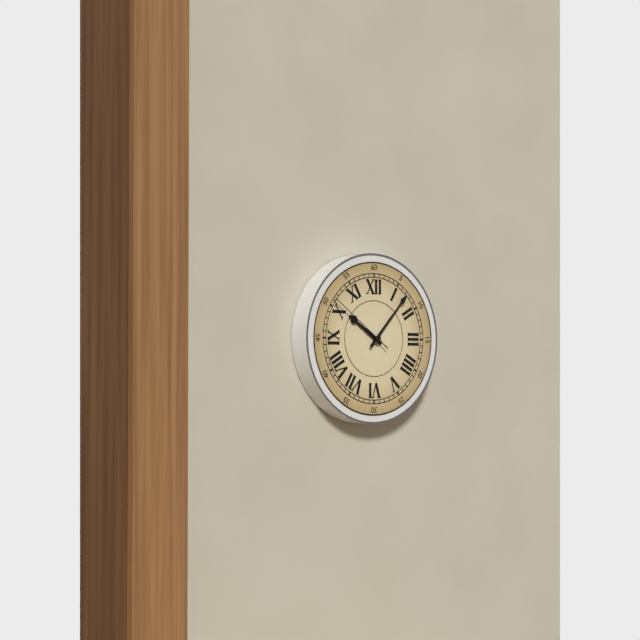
{"hour": 10, "minute": 7, "second": 51}
